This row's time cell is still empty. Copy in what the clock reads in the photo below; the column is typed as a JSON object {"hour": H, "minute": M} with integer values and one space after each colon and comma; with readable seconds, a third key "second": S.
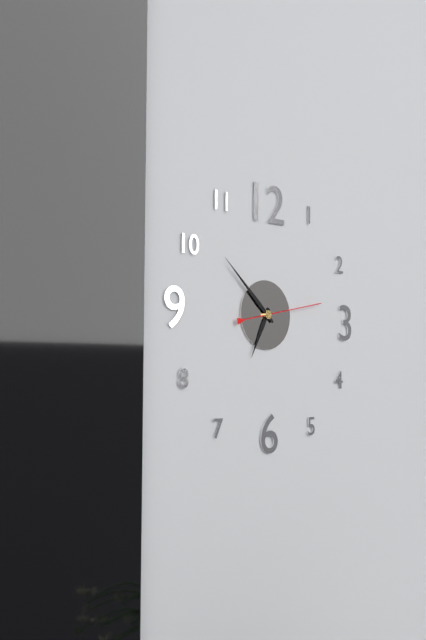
{"hour": 6, "minute": 52, "second": 13}
